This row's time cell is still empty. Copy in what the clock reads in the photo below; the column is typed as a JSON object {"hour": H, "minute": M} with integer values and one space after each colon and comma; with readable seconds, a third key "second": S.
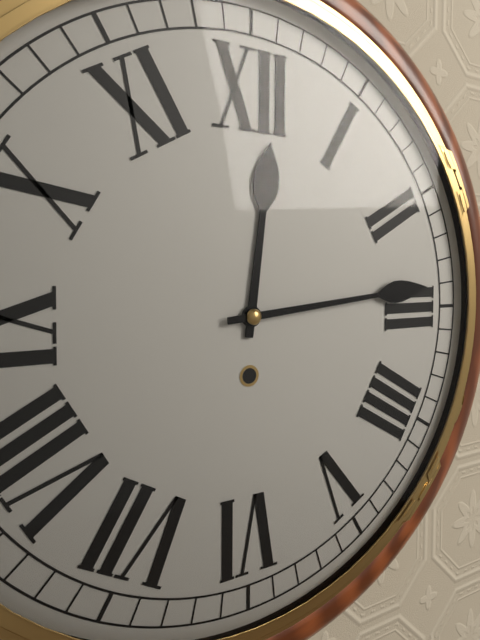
{"hour": 12, "minute": 14}
